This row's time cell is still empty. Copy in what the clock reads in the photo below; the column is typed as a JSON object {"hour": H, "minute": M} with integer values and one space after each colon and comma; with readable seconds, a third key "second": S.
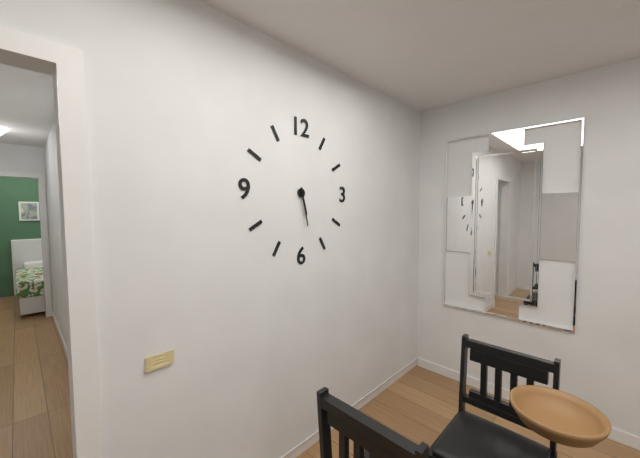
{"hour": 5, "minute": 28}
